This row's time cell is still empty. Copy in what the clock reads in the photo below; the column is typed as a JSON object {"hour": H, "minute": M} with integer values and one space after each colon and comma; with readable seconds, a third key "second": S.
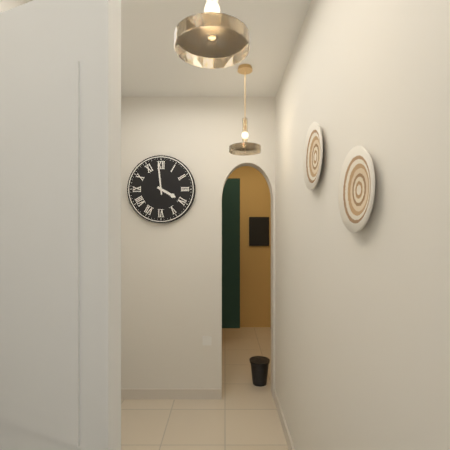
{"hour": 3, "minute": 59}
